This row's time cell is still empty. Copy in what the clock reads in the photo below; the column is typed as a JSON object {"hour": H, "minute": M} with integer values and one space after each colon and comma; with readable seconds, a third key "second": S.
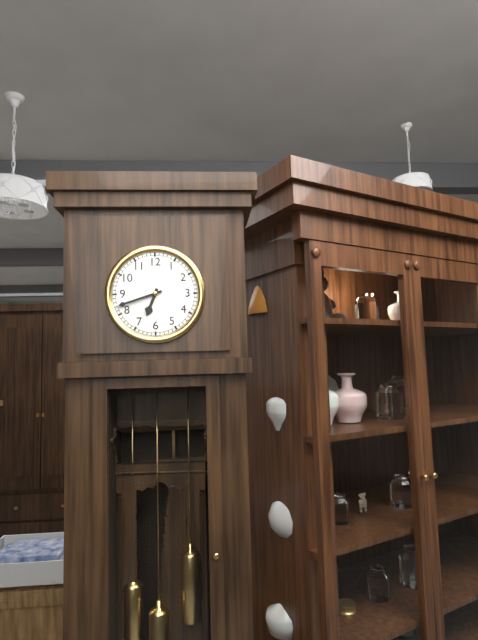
{"hour": 6, "minute": 42}
